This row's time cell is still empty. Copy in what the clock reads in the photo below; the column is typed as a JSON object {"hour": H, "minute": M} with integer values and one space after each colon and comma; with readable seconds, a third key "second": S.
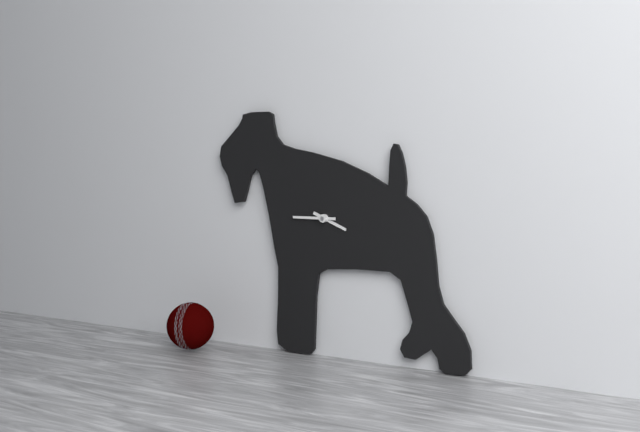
{"hour": 3, "minute": 45}
